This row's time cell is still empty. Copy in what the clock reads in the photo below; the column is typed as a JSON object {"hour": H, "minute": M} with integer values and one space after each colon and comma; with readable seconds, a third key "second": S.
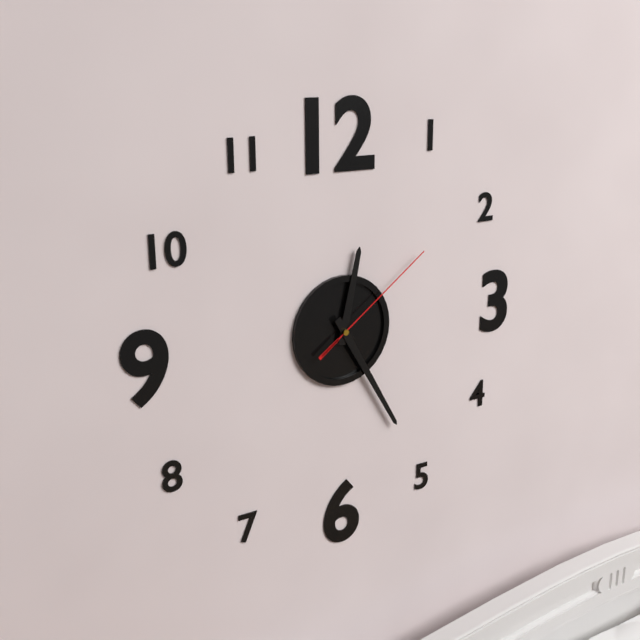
{"hour": 12, "minute": 25, "second": 9}
